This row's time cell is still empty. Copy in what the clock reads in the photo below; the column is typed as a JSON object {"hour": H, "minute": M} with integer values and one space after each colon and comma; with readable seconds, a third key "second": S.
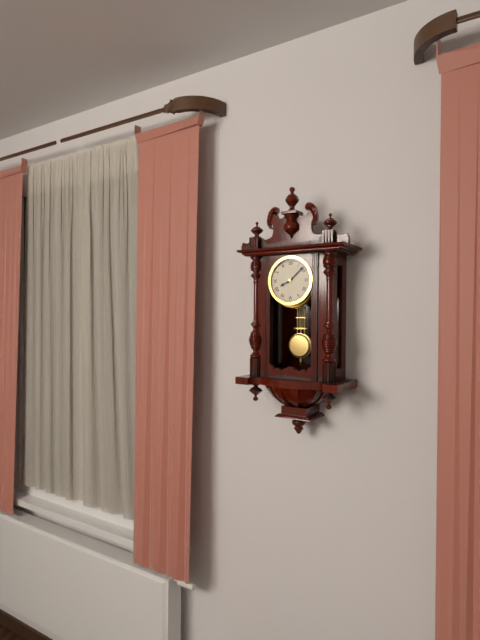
{"hour": 8, "minute": 8}
